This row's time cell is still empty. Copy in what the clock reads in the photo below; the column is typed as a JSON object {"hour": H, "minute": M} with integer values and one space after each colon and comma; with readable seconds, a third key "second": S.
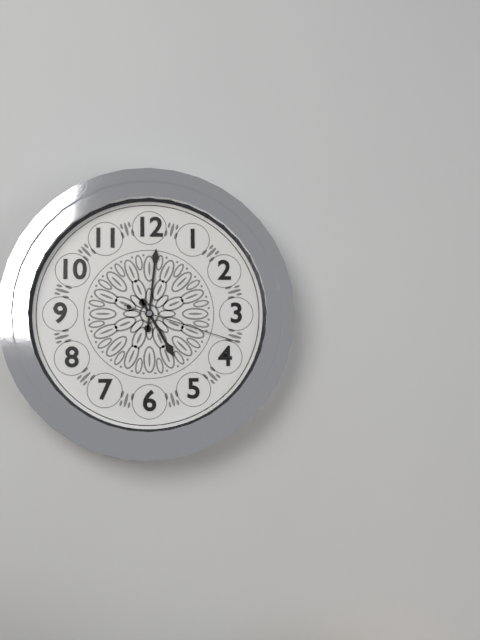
{"hour": 5, "minute": 1, "second": 18}
